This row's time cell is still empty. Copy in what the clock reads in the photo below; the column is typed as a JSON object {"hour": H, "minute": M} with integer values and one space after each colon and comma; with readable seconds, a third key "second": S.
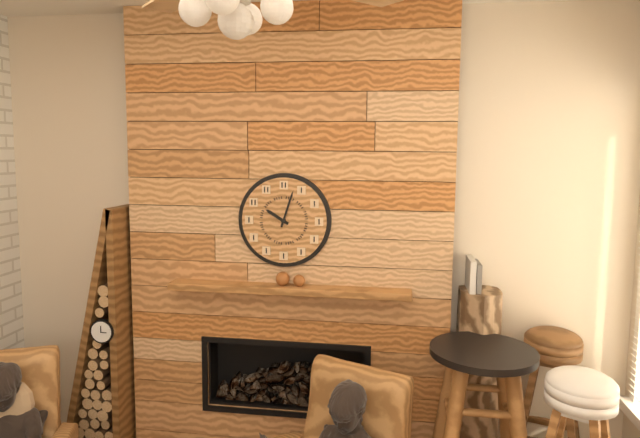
{"hour": 10, "minute": 3}
